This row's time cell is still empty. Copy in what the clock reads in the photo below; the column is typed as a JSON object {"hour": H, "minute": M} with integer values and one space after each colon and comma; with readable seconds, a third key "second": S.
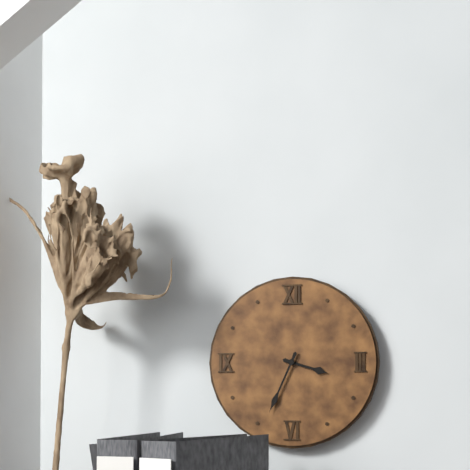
{"hour": 3, "minute": 34}
